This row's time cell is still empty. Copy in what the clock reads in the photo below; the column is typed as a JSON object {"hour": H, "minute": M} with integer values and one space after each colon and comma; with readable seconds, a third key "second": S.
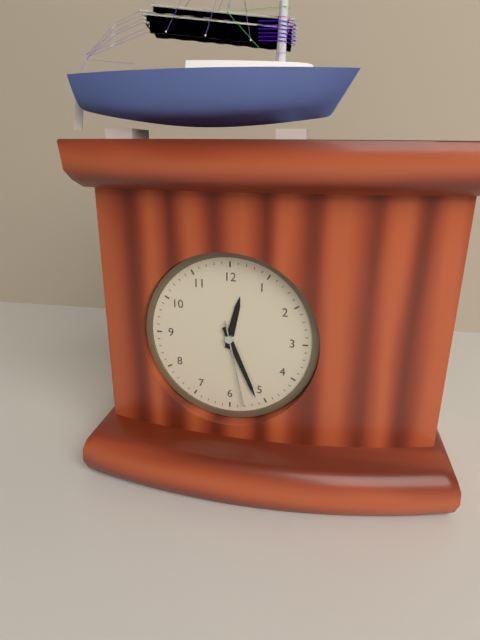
{"hour": 12, "minute": 26, "second": 28}
